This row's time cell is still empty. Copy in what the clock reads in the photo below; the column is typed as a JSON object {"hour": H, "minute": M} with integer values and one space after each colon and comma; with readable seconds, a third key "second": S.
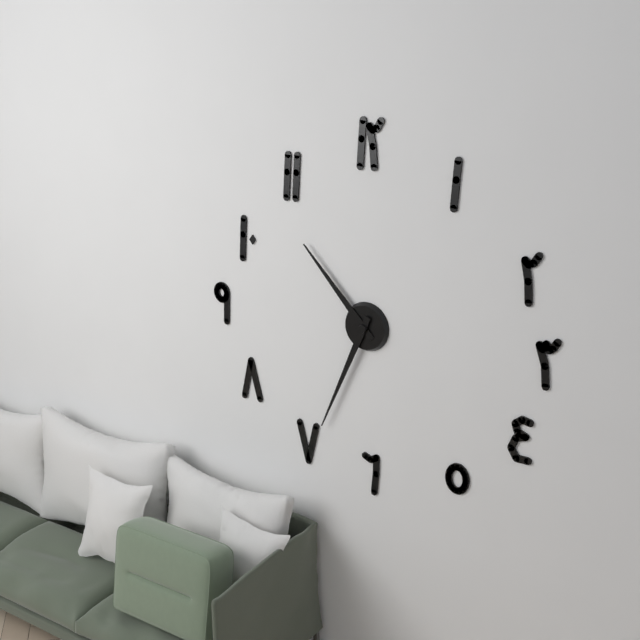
{"hour": 10, "minute": 34}
